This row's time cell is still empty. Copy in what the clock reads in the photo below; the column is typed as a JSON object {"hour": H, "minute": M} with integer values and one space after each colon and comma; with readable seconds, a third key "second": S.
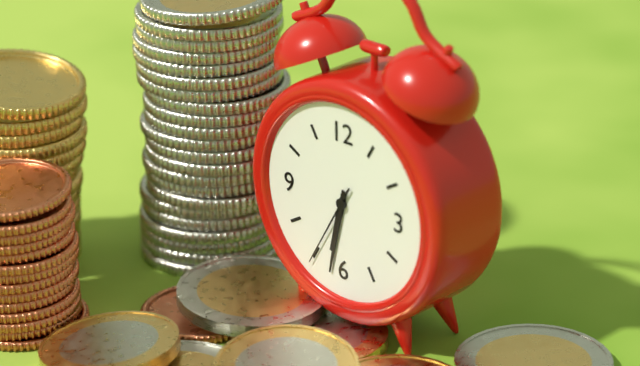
{"hour": 6, "minute": 32, "second": 35}
